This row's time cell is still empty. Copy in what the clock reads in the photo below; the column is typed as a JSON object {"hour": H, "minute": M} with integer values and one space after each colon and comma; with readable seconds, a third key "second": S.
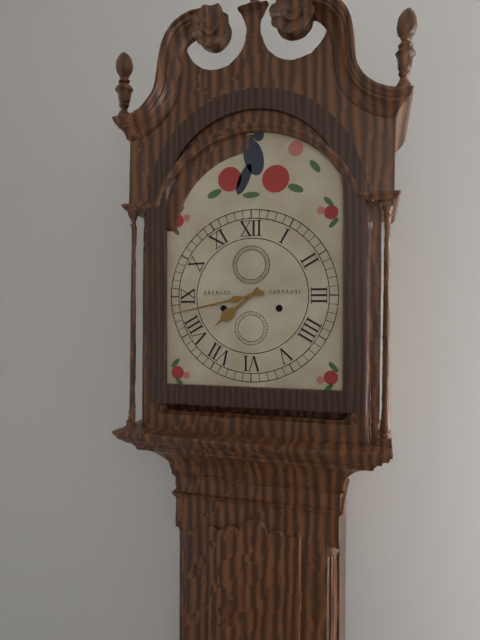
{"hour": 7, "minute": 43}
